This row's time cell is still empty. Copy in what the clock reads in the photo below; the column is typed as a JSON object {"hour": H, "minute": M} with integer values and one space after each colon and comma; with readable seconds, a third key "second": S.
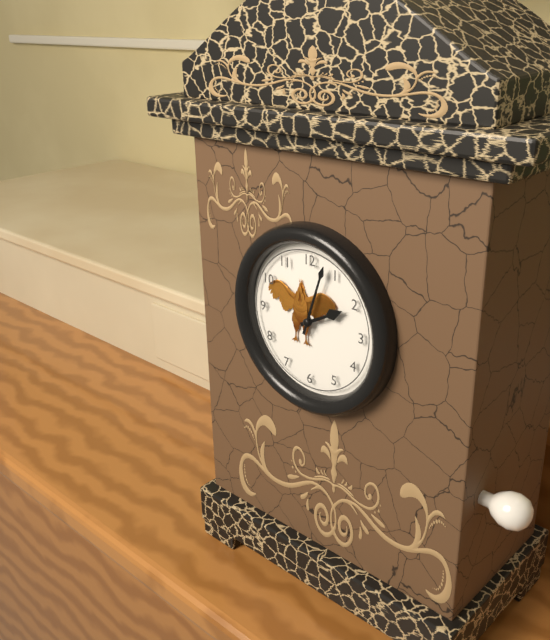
{"hour": 2, "minute": 3}
